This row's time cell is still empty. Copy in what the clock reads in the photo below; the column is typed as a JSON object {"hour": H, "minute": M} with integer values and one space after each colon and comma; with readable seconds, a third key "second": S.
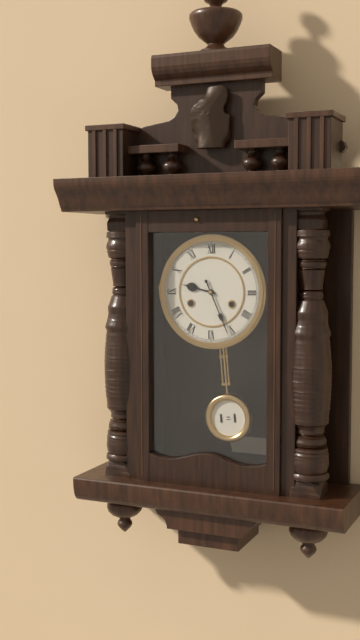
{"hour": 9, "minute": 26}
